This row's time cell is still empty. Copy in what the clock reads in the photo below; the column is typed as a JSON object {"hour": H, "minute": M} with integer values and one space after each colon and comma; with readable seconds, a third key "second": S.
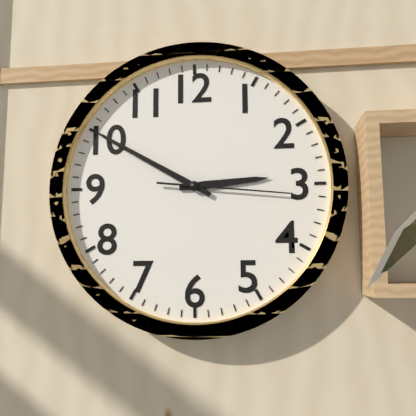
{"hour": 2, "minute": 50, "second": 16}
